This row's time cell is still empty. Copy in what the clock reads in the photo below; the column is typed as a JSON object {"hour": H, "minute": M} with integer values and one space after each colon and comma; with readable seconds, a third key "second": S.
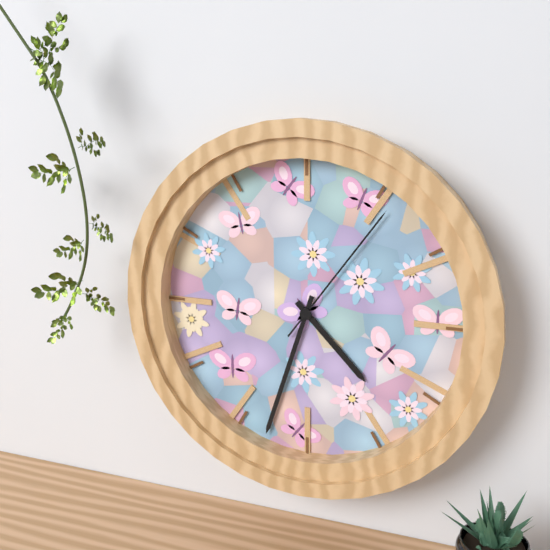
{"hour": 4, "minute": 33, "second": 6}
